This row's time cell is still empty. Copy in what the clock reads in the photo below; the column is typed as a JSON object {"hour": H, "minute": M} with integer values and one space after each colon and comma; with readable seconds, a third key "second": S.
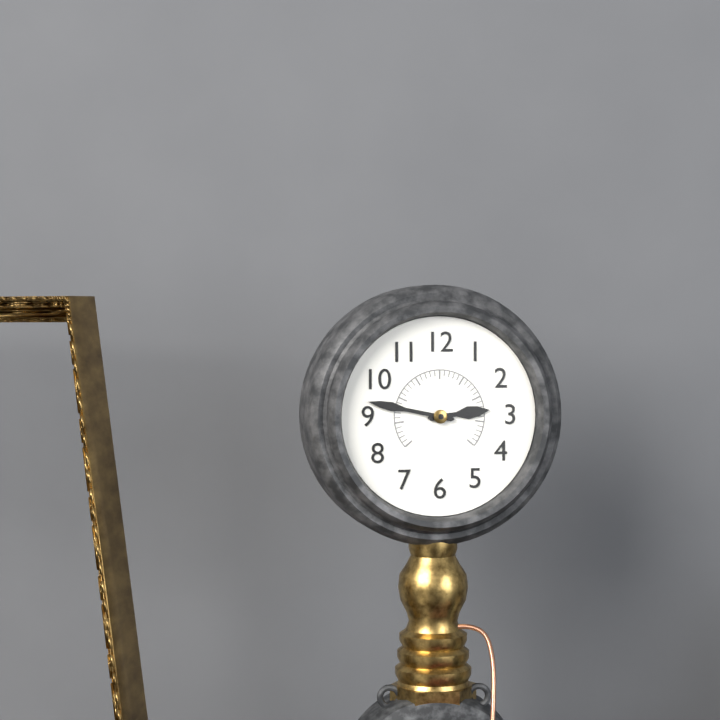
{"hour": 2, "minute": 47}
